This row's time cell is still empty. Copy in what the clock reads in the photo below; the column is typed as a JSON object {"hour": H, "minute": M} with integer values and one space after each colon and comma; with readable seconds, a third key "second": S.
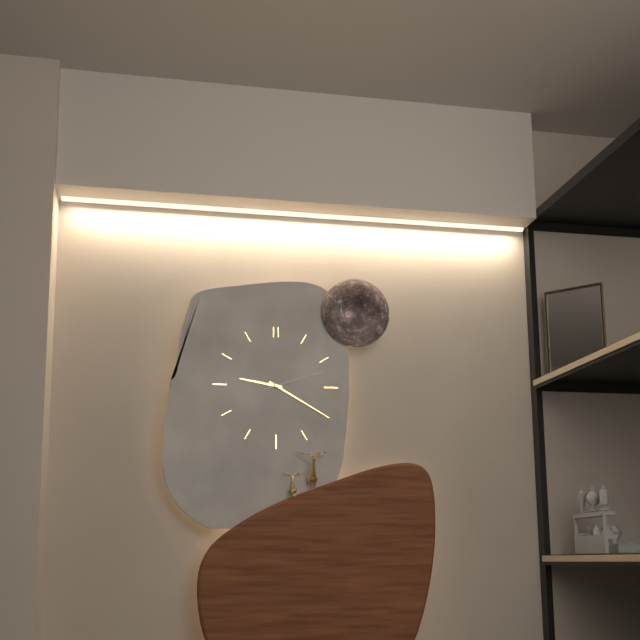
{"hour": 9, "minute": 20, "second": 12}
